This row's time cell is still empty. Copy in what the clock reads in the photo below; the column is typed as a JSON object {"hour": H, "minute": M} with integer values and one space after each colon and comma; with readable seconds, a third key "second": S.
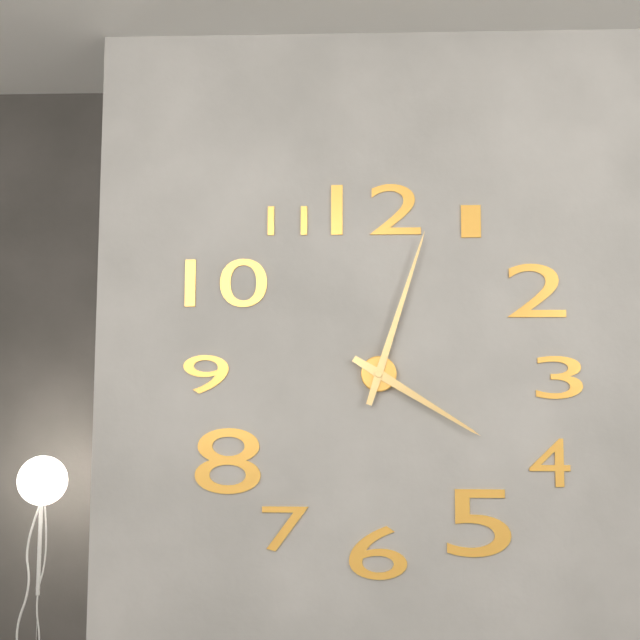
{"hour": 4, "minute": 3}
